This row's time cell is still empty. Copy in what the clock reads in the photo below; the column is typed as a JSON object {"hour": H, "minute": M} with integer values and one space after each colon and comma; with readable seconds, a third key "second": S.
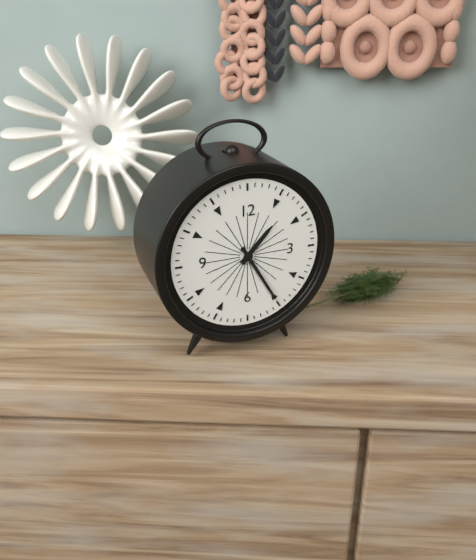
{"hour": 1, "minute": 25}
